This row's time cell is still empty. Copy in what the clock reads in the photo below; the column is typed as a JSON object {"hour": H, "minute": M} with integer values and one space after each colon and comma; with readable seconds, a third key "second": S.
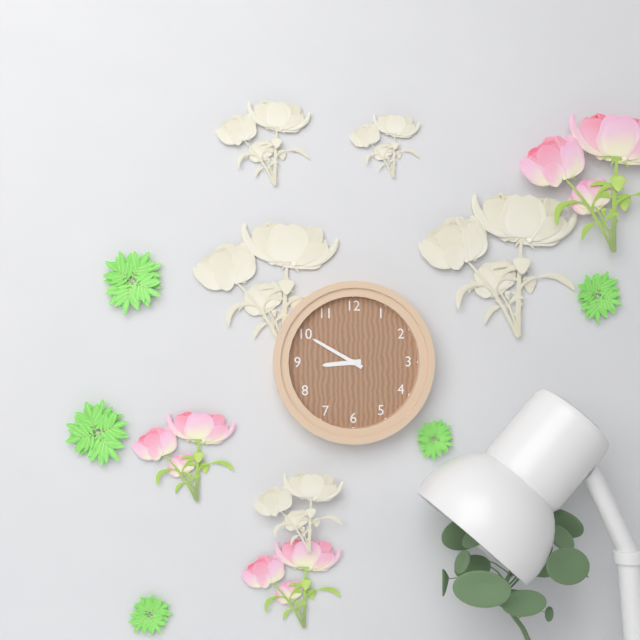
{"hour": 8, "minute": 50}
